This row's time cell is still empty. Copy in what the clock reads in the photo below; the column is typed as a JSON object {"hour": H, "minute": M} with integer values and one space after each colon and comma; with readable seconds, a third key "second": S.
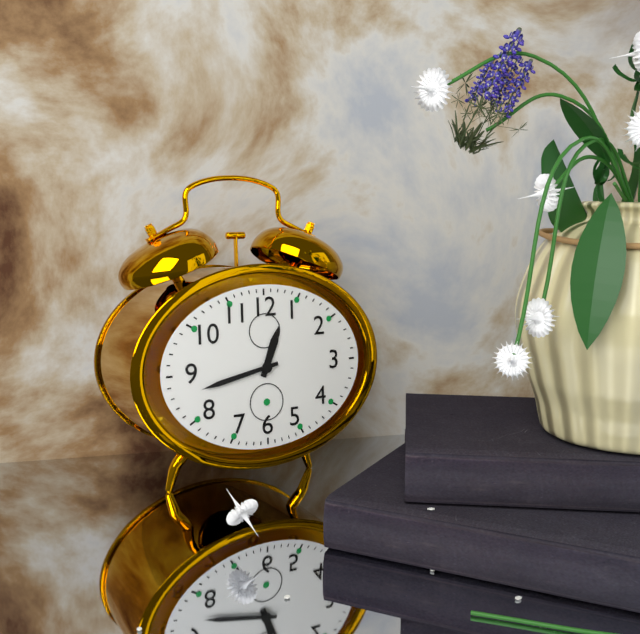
{"hour": 12, "minute": 43}
